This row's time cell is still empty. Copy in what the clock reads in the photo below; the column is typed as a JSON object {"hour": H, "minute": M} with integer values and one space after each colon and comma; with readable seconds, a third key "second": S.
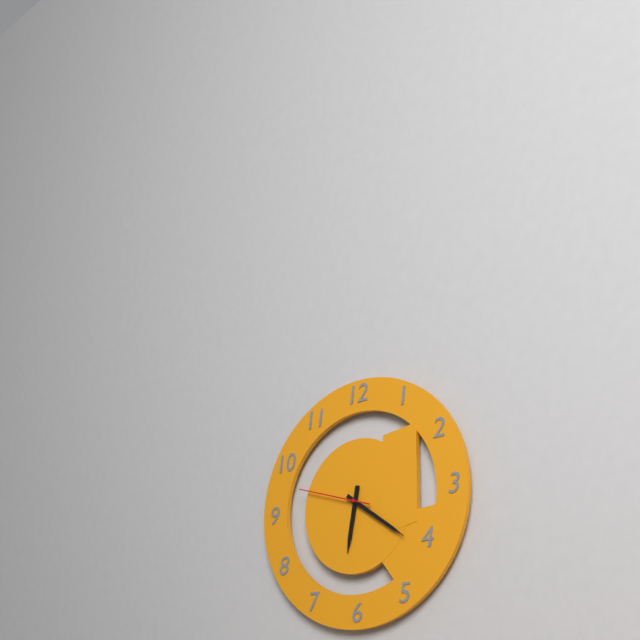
{"hour": 6, "minute": 21, "second": 48}
